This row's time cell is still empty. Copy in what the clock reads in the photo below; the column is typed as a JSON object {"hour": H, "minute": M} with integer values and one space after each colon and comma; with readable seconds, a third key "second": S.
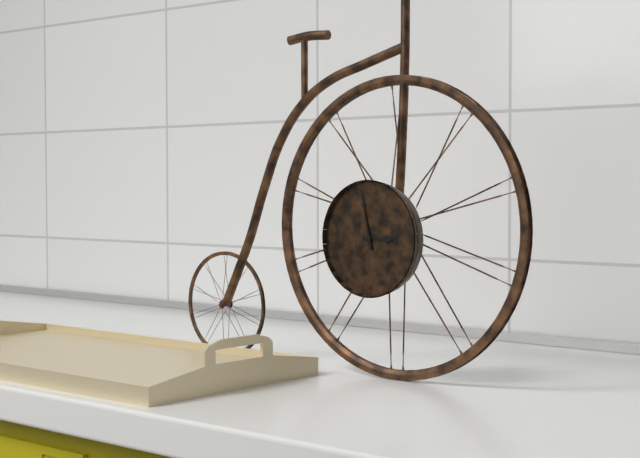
{"hour": 2, "minute": 58}
